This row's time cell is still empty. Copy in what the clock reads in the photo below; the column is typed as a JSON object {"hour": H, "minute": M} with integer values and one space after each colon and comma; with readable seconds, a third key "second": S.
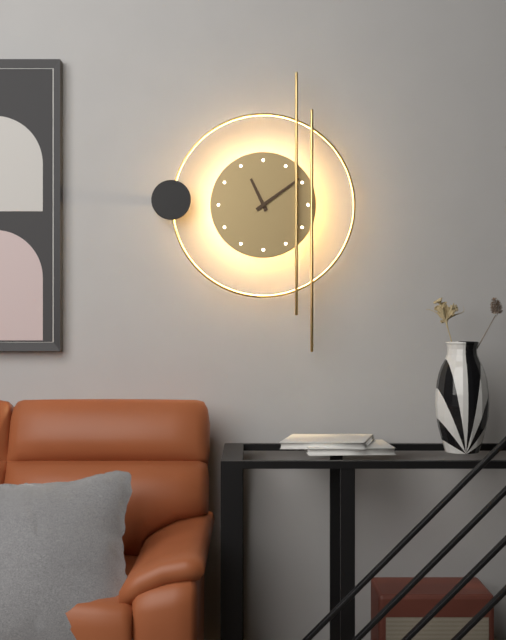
{"hour": 11, "minute": 9}
